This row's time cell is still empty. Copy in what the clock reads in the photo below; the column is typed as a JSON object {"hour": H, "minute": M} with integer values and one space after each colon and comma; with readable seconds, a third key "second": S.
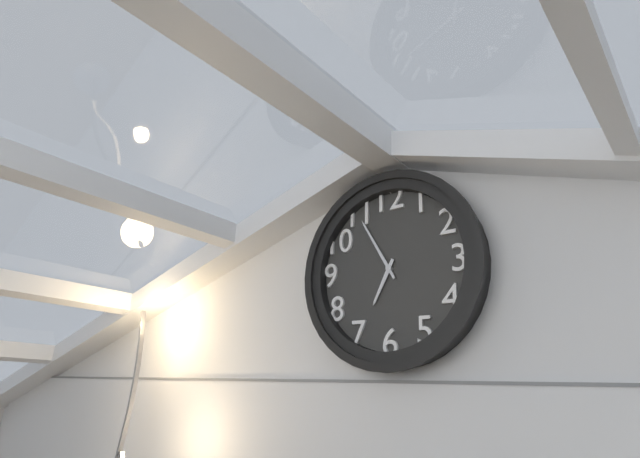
{"hour": 6, "minute": 55}
